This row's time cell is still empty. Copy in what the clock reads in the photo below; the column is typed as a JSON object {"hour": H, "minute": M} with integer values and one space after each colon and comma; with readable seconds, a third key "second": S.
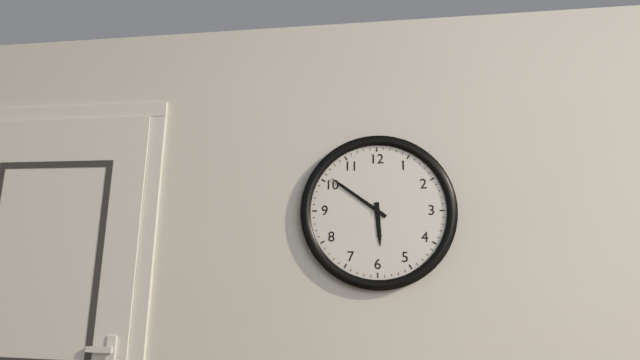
{"hour": 5, "minute": 51}
